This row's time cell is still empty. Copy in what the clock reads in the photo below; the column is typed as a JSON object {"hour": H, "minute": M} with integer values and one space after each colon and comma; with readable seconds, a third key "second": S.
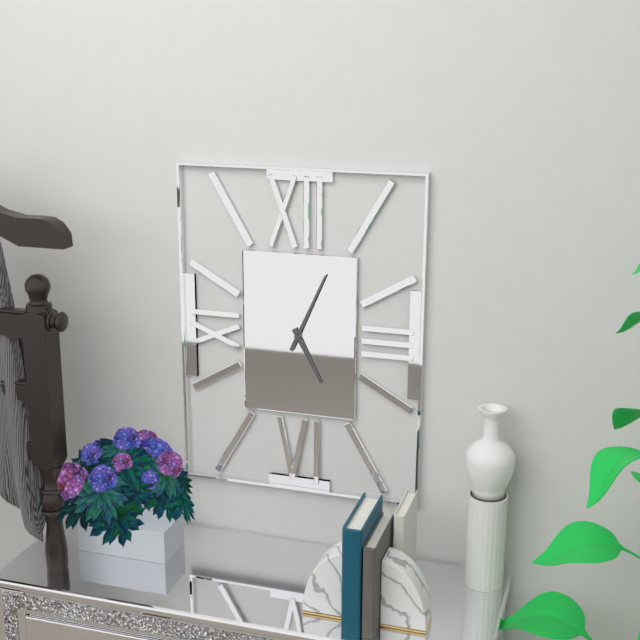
{"hour": 5, "minute": 4}
